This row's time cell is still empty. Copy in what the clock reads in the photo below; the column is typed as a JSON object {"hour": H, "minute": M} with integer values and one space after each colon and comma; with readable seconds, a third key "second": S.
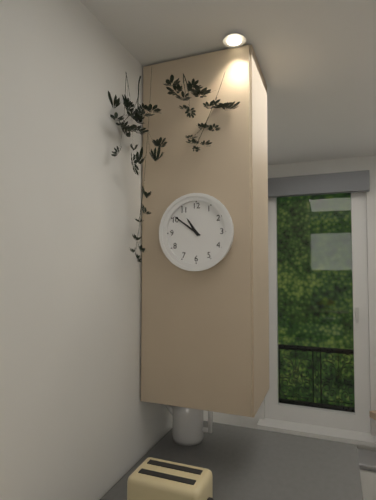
{"hour": 10, "minute": 51}
